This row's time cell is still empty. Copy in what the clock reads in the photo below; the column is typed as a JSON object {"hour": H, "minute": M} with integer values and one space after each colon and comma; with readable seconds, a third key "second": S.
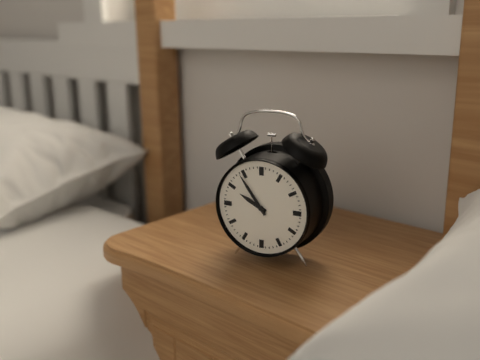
{"hour": 9, "minute": 54}
